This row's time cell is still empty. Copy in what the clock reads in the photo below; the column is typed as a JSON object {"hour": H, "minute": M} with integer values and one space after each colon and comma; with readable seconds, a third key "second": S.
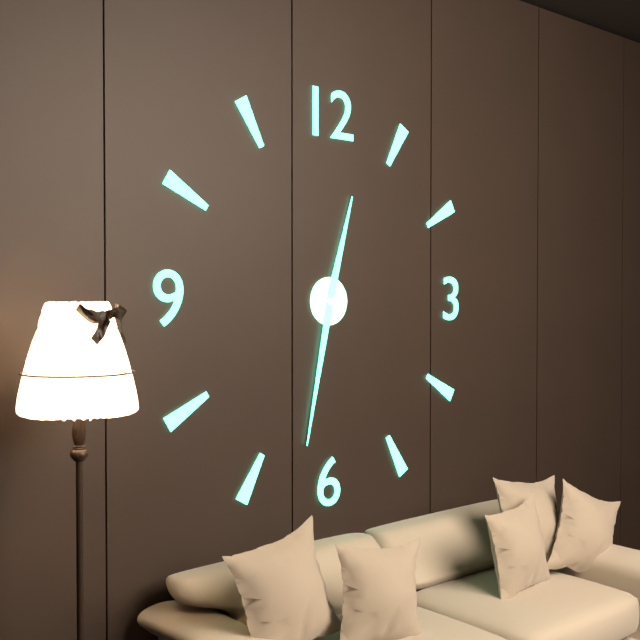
{"hour": 12, "minute": 32}
